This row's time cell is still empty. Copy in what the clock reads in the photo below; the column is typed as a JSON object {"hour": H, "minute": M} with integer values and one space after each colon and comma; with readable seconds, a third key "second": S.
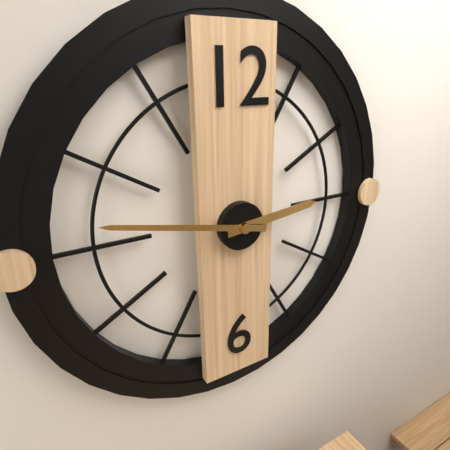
{"hour": 2, "minute": 47}
